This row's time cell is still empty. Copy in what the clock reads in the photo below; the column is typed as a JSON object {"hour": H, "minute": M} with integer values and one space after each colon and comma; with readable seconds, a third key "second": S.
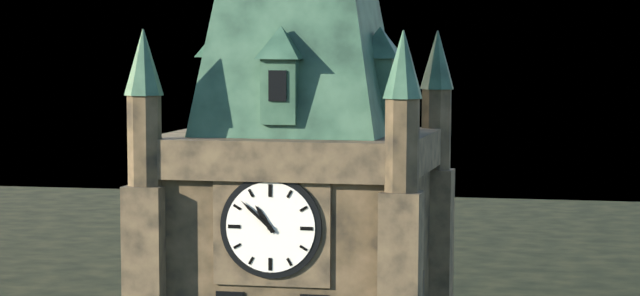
{"hour": 10, "minute": 52}
